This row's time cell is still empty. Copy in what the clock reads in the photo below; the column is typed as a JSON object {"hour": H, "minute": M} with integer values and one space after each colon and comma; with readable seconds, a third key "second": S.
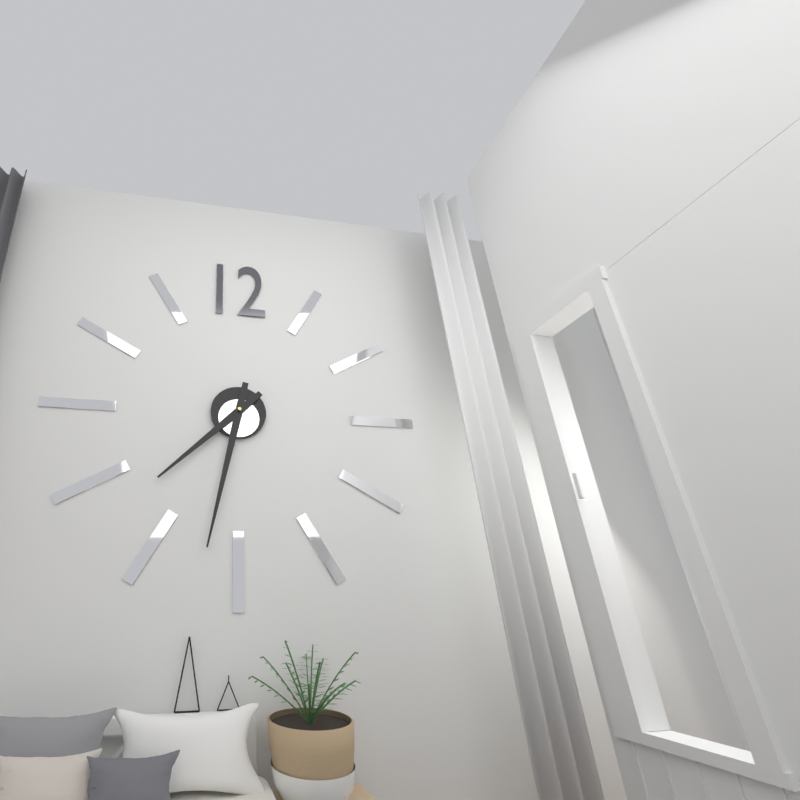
{"hour": 7, "minute": 32}
